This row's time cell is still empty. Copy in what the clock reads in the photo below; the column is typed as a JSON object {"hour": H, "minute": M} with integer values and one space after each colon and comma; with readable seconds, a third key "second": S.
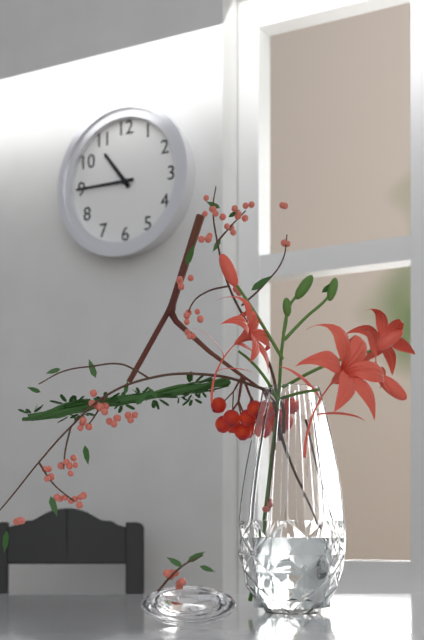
{"hour": 10, "minute": 45}
